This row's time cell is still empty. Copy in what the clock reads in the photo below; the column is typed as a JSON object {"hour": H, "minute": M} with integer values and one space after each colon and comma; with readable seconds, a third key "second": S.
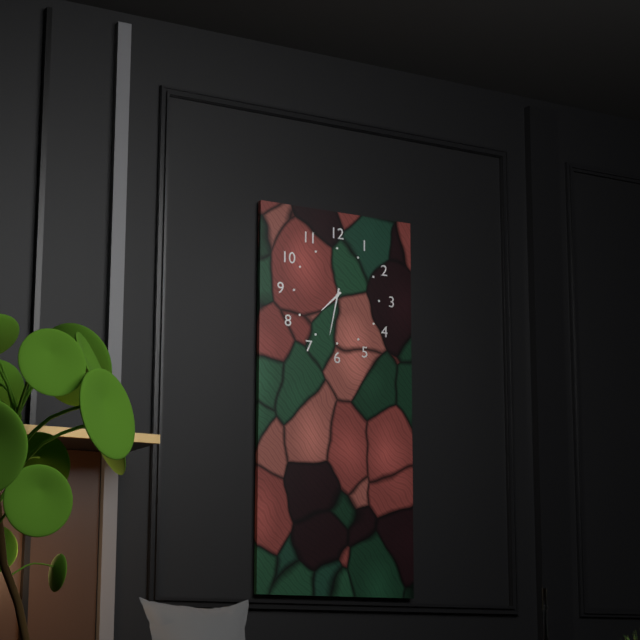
{"hour": 7, "minute": 32}
